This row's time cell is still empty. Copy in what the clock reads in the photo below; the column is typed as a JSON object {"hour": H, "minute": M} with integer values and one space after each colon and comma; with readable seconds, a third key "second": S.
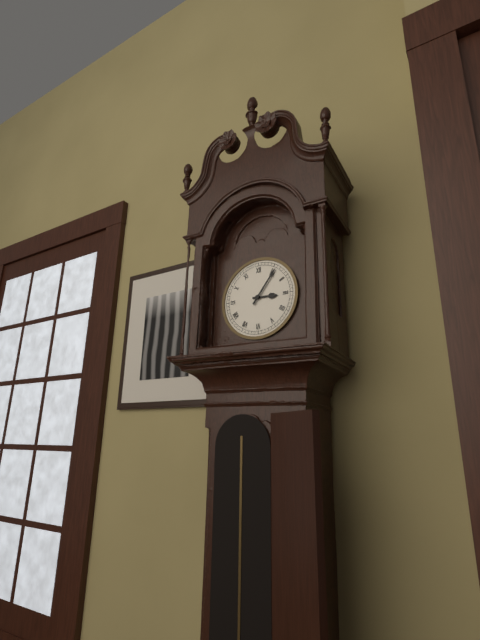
{"hour": 3, "minute": 6}
